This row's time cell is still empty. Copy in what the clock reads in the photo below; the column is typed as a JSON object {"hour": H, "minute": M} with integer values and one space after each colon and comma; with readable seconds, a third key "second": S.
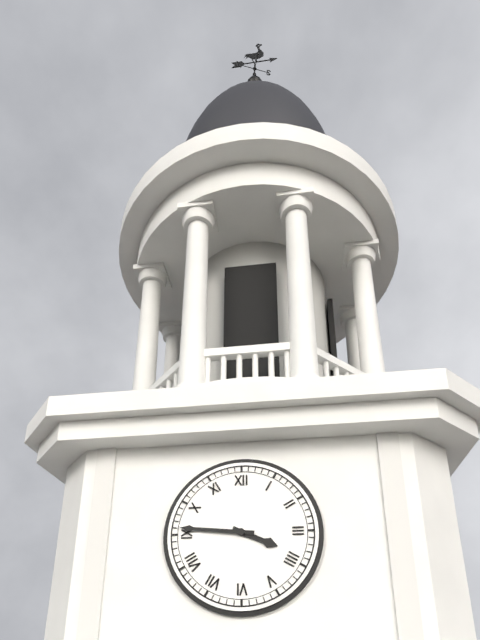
{"hour": 3, "minute": 46}
